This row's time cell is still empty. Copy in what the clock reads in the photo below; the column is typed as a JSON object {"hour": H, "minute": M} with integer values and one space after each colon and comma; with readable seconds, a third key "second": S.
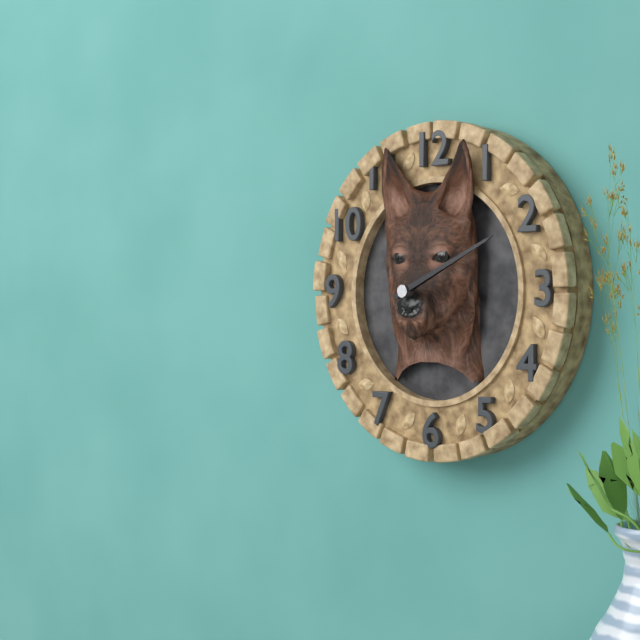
{"hour": 2, "minute": 11}
